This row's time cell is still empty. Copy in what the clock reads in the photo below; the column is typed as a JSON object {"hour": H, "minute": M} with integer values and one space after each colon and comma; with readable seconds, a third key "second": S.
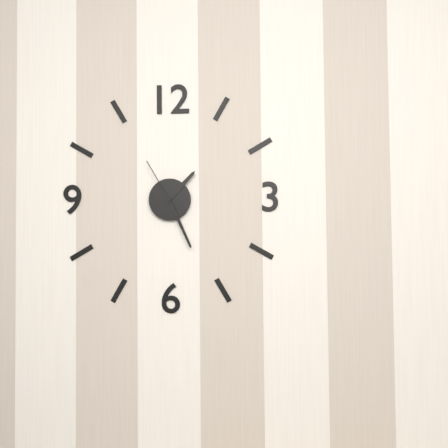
{"hour": 1, "minute": 26, "second": 55}
